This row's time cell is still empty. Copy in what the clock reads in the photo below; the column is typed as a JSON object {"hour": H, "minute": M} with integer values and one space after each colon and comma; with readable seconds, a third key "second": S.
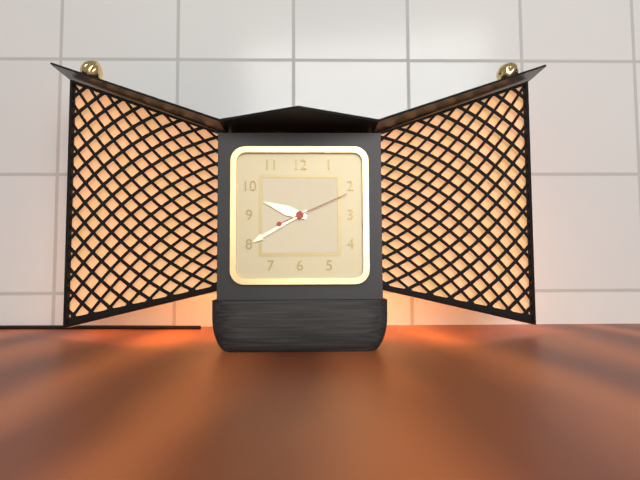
{"hour": 9, "minute": 40, "second": 11}
